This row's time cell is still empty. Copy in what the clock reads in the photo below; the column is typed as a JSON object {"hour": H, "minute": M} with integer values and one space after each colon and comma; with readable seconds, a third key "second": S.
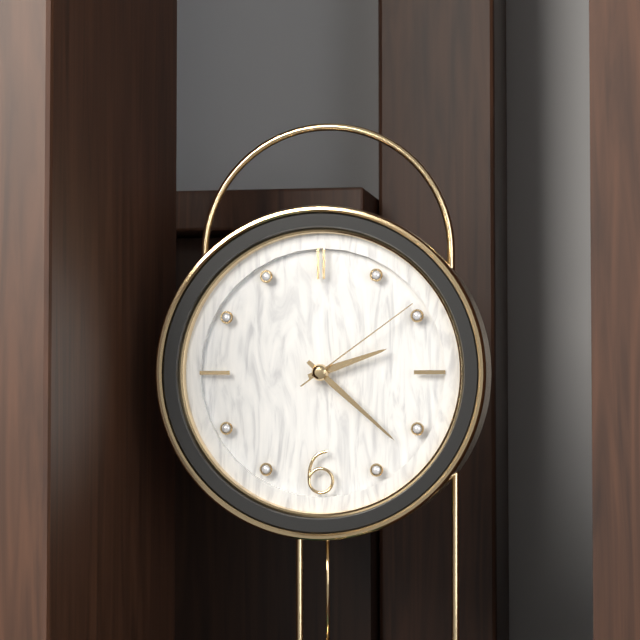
{"hour": 2, "minute": 22, "second": 9}
